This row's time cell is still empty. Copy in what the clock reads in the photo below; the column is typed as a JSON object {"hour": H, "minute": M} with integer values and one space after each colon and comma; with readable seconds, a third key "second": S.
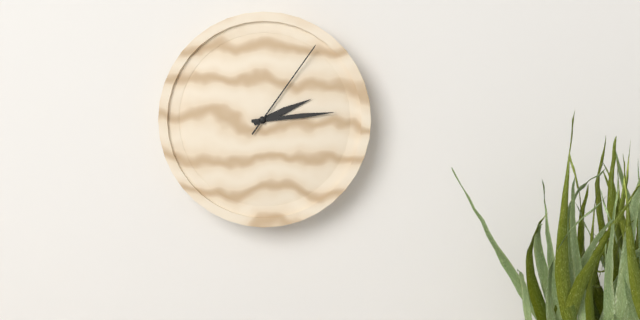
{"hour": 2, "minute": 14, "second": 6}
